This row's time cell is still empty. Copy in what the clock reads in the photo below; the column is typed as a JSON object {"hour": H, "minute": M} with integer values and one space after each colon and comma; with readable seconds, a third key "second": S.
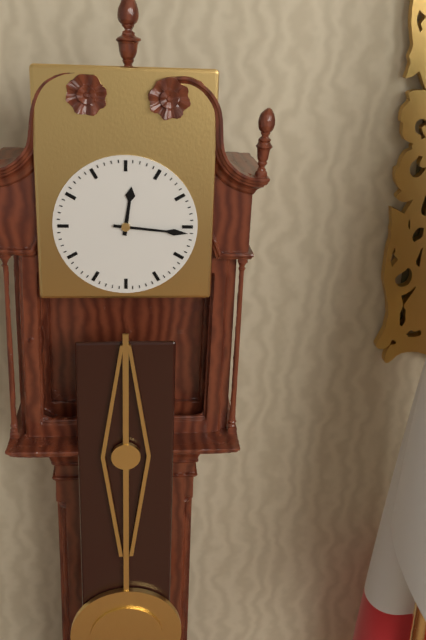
{"hour": 12, "minute": 16}
